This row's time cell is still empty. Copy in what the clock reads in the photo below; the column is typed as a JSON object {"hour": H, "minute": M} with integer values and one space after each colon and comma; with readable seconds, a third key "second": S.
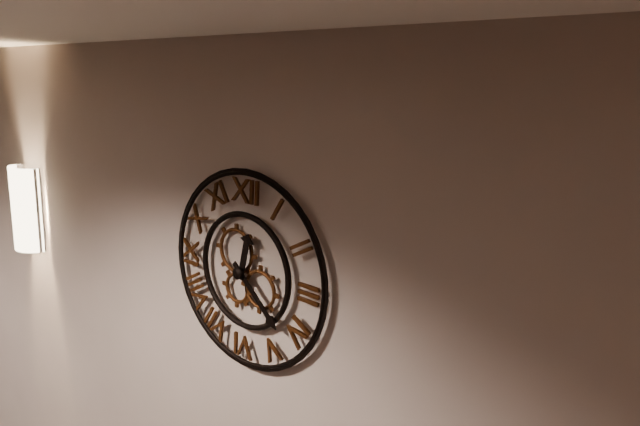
{"hour": 12, "minute": 22}
